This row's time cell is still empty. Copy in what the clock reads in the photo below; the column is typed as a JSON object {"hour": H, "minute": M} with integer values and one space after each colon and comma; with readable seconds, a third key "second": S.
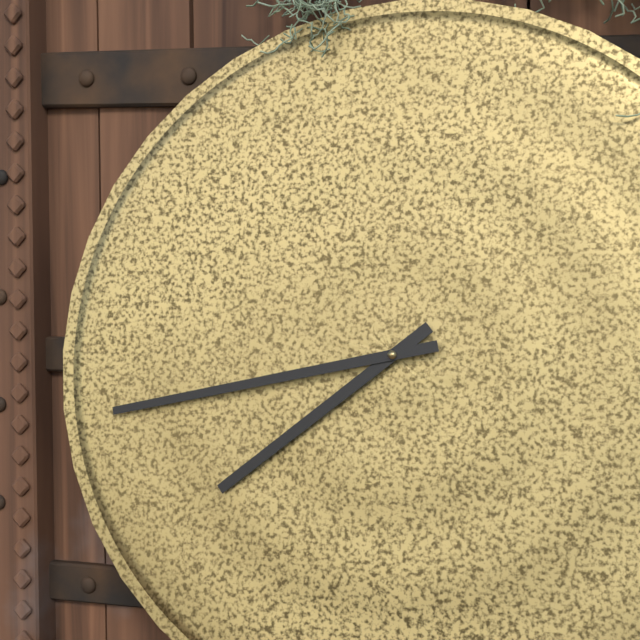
{"hour": 7, "minute": 43}
